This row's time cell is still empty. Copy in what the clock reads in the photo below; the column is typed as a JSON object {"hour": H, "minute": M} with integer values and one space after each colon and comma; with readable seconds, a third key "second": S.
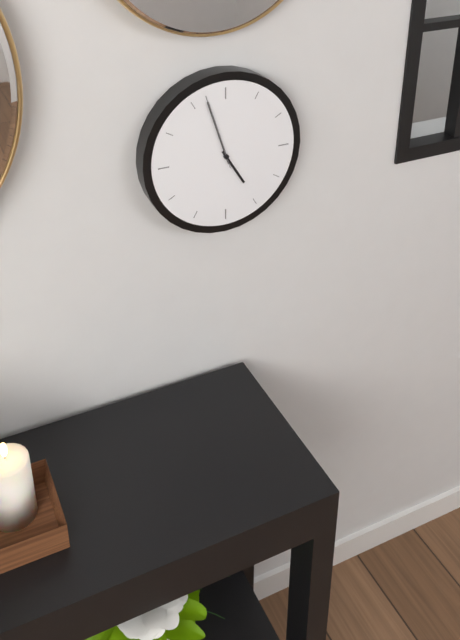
{"hour": 4, "minute": 57, "second": 57}
